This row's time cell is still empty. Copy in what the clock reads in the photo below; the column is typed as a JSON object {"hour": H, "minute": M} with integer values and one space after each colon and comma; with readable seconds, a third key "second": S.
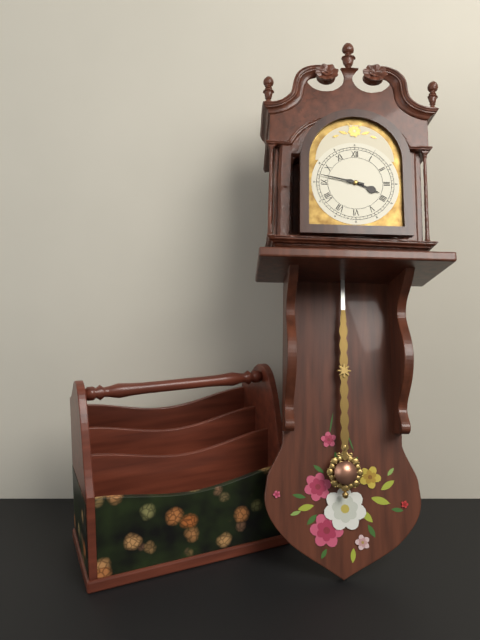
{"hour": 3, "minute": 47}
